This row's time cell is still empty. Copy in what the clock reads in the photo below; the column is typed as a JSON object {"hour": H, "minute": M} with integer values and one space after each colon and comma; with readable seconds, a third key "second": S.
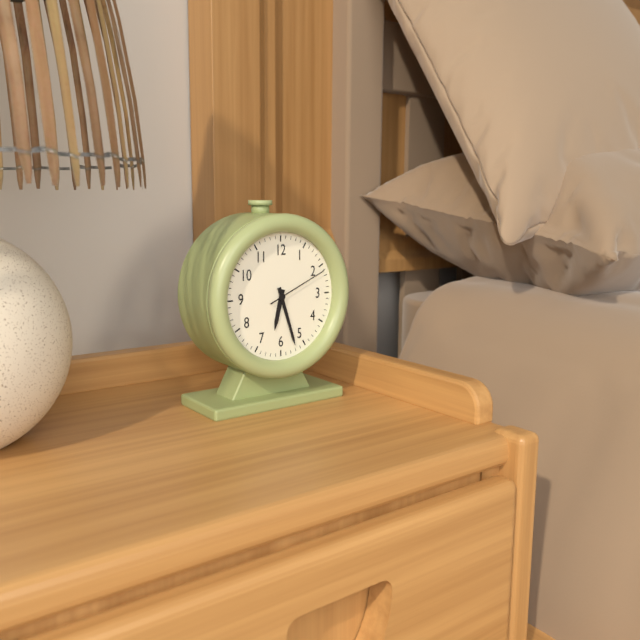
{"hour": 6, "minute": 27, "second": 11}
